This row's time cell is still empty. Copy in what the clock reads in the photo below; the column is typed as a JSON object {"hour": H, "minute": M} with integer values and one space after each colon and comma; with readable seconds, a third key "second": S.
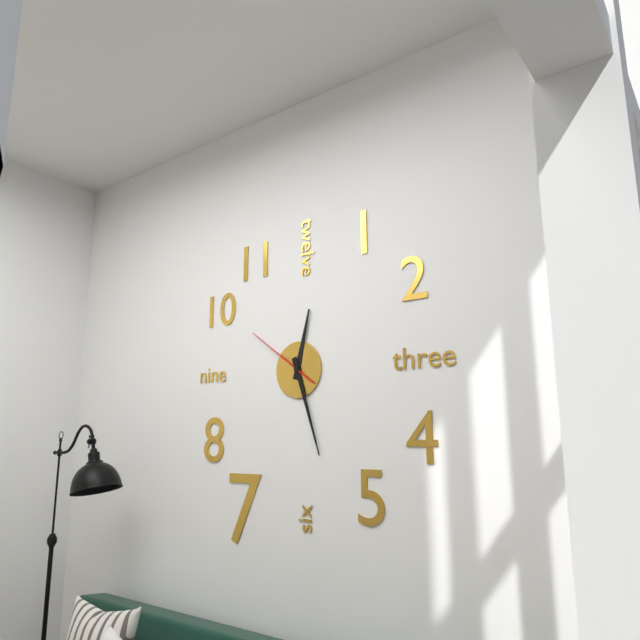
{"hour": 12, "minute": 27, "second": 51}
